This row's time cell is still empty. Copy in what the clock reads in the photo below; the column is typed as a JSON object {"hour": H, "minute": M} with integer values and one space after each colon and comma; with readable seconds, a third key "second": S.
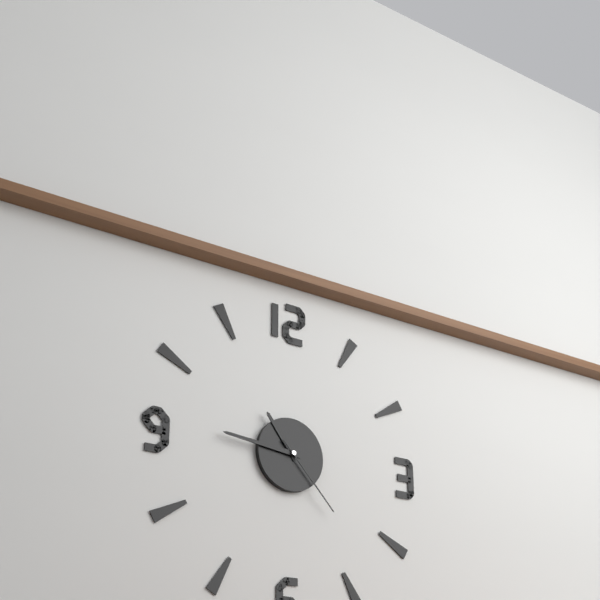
{"hour": 10, "minute": 46, "second": 23}
